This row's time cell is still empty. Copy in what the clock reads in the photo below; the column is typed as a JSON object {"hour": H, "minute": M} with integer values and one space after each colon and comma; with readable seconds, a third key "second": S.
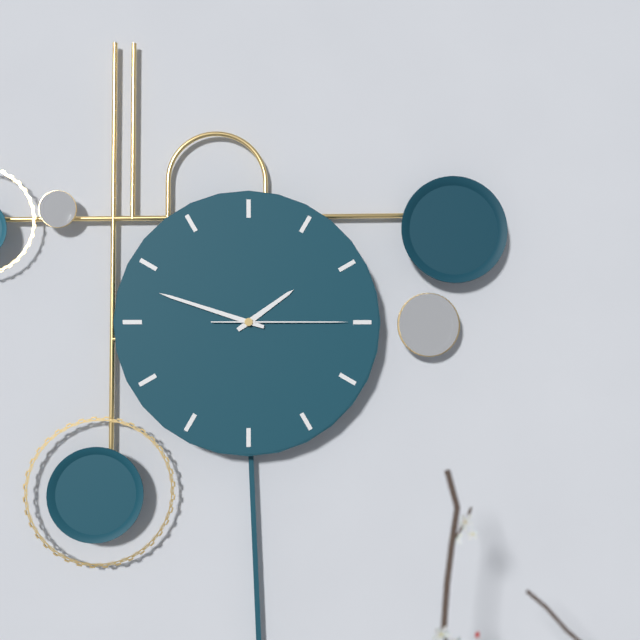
{"hour": 1, "minute": 48, "second": 15}
